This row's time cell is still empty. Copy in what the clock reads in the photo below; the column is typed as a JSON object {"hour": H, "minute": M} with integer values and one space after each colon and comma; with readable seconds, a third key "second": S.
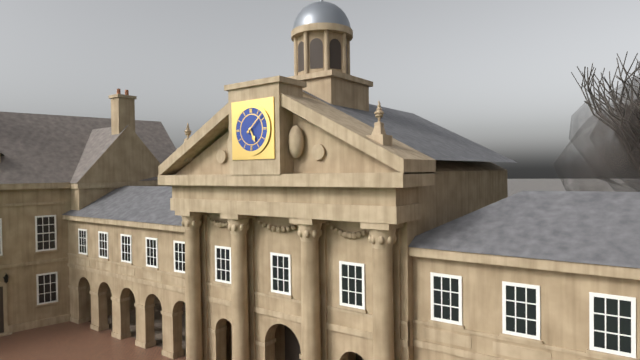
{"hour": 5, "minute": 8}
